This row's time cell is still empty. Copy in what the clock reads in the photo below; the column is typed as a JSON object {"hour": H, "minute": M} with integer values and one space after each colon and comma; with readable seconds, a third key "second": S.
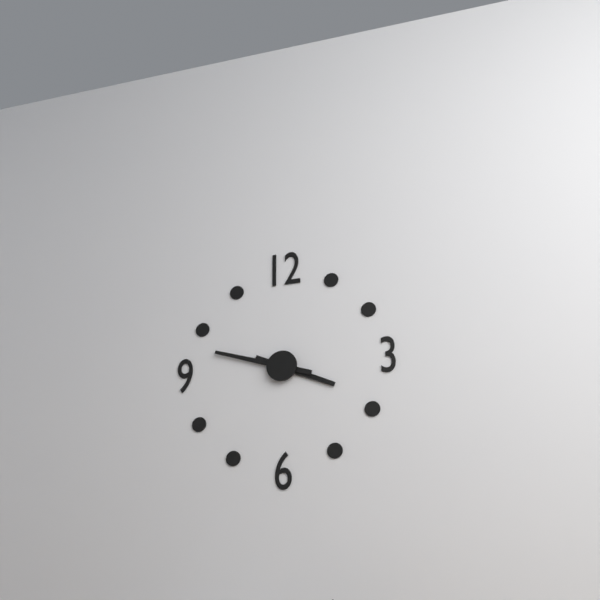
{"hour": 3, "minute": 48}
